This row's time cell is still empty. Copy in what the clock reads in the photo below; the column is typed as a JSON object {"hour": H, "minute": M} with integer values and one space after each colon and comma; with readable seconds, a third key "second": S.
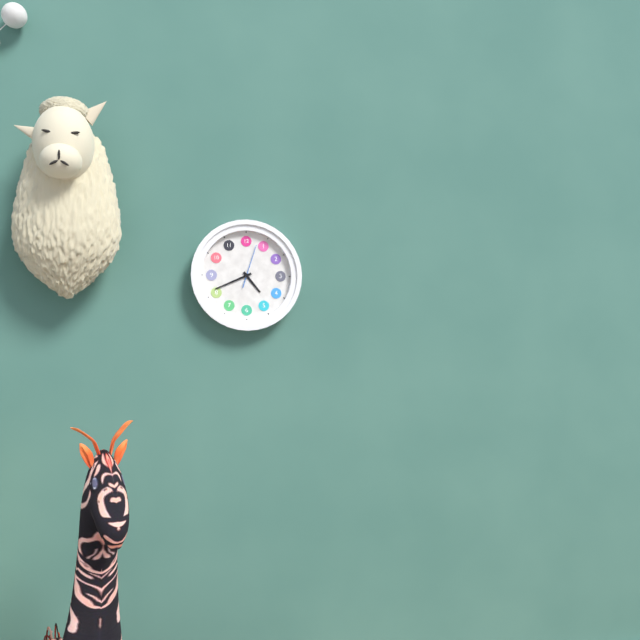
{"hour": 4, "minute": 41}
